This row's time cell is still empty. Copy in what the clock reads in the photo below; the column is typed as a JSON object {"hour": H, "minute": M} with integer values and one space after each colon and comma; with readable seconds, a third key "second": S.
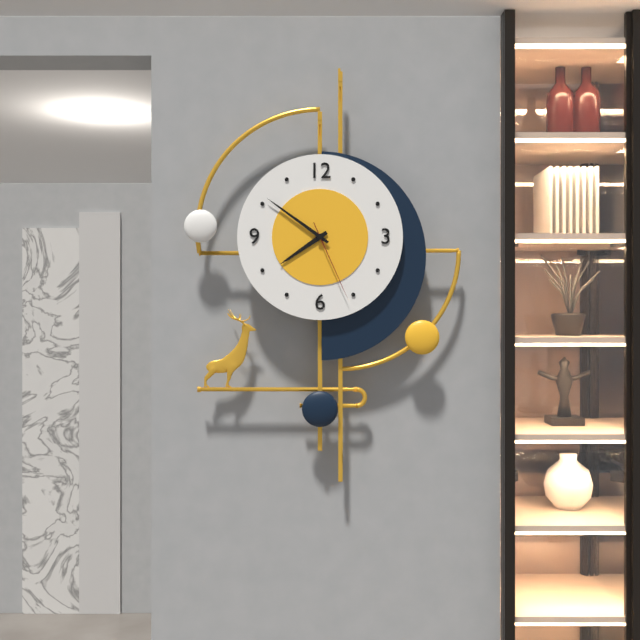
{"hour": 7, "minute": 51, "second": 26}
